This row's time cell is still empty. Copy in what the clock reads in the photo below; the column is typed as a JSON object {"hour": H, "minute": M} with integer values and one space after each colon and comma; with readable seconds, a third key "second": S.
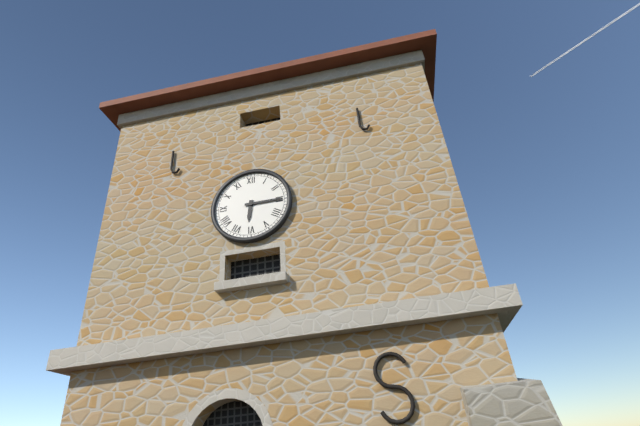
{"hour": 6, "minute": 15}
